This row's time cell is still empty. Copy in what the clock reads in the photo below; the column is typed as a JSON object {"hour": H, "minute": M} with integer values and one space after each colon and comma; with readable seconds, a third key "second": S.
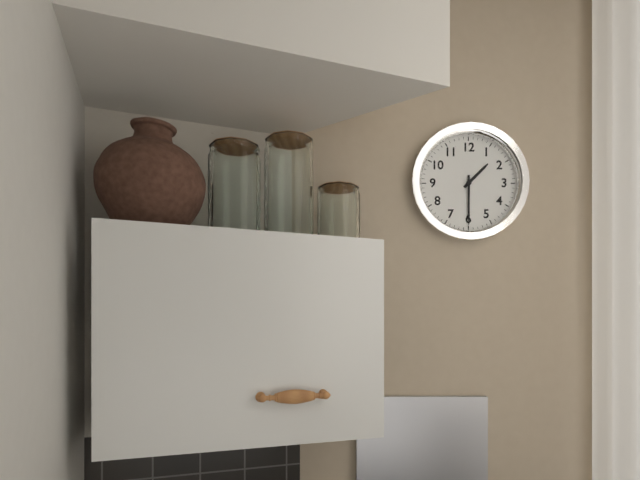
{"hour": 1, "minute": 30}
